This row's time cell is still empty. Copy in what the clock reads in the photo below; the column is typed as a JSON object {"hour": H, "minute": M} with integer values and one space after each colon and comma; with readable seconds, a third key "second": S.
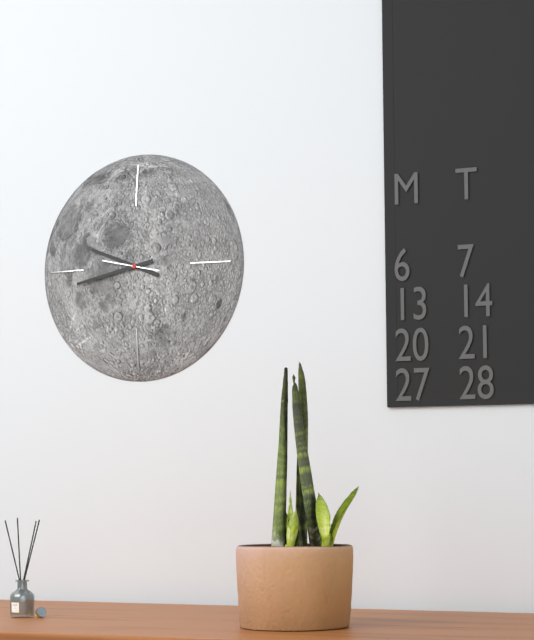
{"hour": 9, "minute": 43}
